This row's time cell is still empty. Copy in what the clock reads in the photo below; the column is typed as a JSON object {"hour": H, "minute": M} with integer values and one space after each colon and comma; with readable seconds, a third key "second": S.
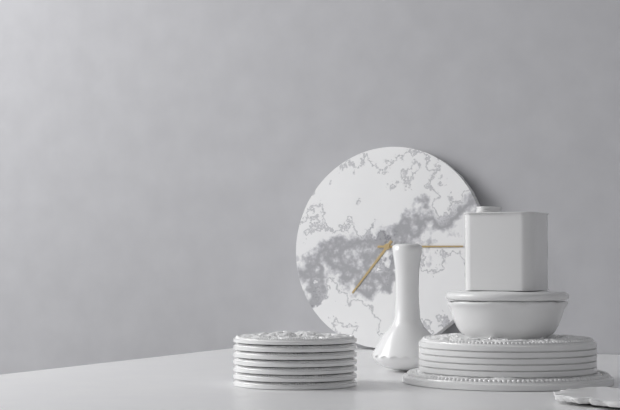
{"hour": 7, "minute": 15}
